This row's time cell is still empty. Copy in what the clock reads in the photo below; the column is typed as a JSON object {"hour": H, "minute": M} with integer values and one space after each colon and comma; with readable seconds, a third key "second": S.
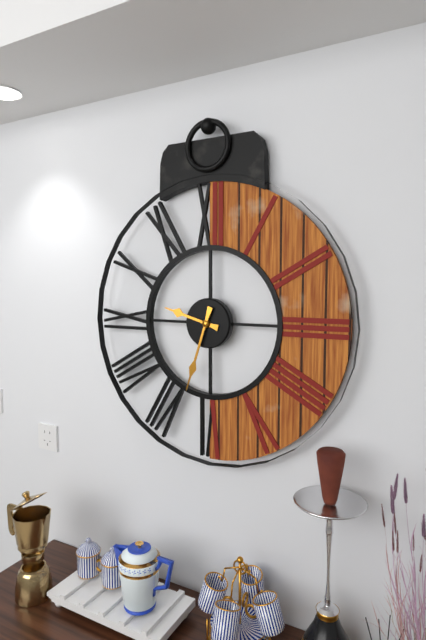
{"hour": 9, "minute": 33}
